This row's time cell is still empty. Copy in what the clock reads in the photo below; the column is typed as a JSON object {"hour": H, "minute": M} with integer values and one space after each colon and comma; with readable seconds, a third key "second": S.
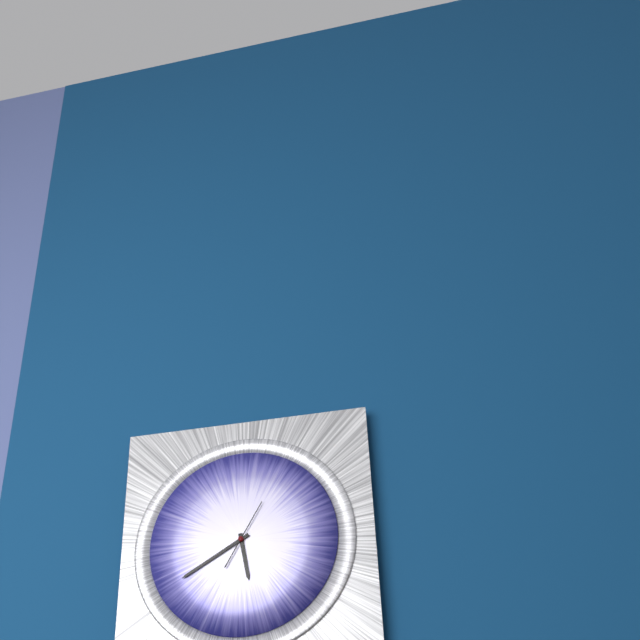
{"hour": 5, "minute": 40, "second": 5}
